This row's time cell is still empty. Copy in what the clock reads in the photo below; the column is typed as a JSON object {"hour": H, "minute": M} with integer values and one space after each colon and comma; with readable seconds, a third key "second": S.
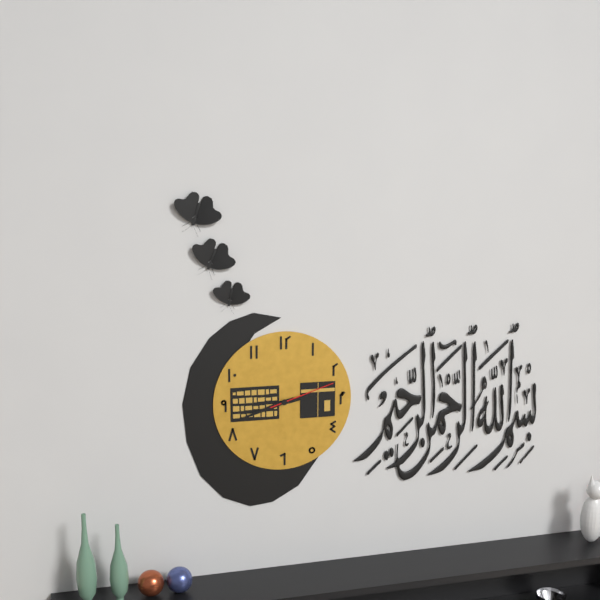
{"hour": 2, "minute": 42, "second": 12}
